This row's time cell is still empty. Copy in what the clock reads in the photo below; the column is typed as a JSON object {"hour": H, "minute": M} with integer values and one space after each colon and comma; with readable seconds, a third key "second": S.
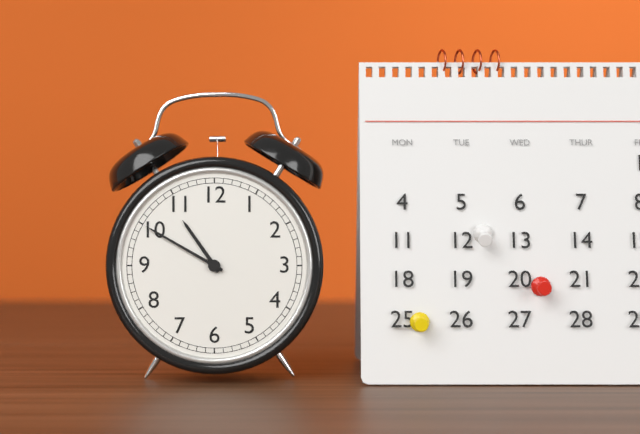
{"hour": 10, "minute": 50}
